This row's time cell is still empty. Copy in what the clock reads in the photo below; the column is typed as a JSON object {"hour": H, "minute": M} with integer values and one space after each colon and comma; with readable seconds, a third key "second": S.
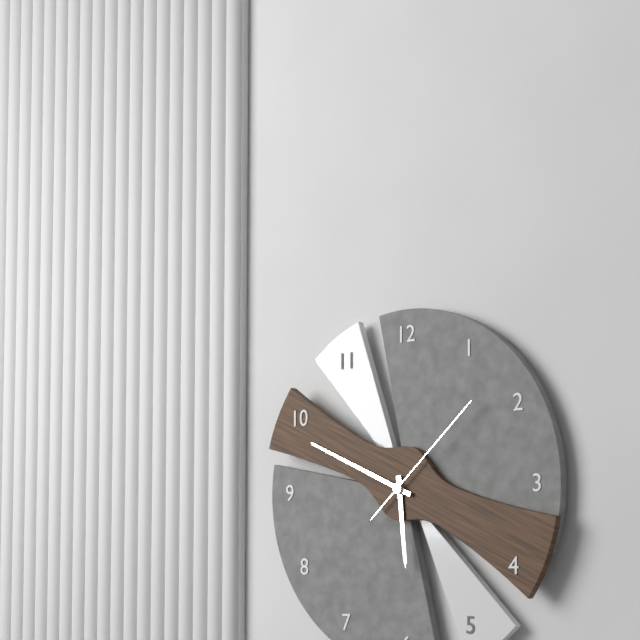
{"hour": 5, "minute": 49, "second": 8}
